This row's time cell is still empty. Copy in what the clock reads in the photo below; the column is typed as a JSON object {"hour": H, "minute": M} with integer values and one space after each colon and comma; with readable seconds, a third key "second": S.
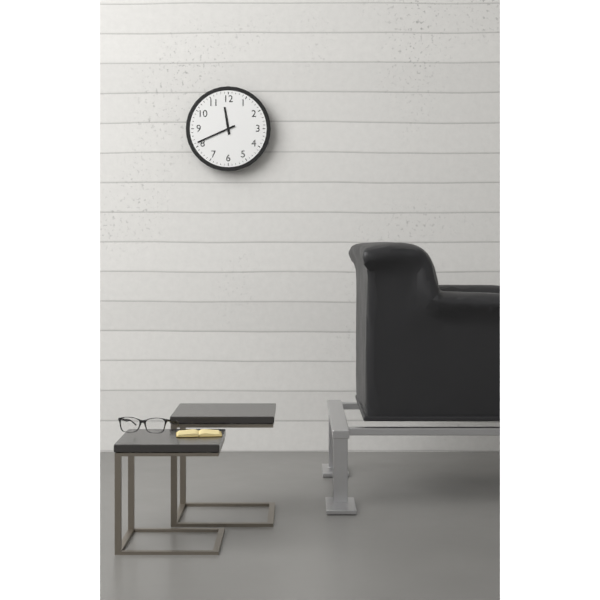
{"hour": 11, "minute": 41}
